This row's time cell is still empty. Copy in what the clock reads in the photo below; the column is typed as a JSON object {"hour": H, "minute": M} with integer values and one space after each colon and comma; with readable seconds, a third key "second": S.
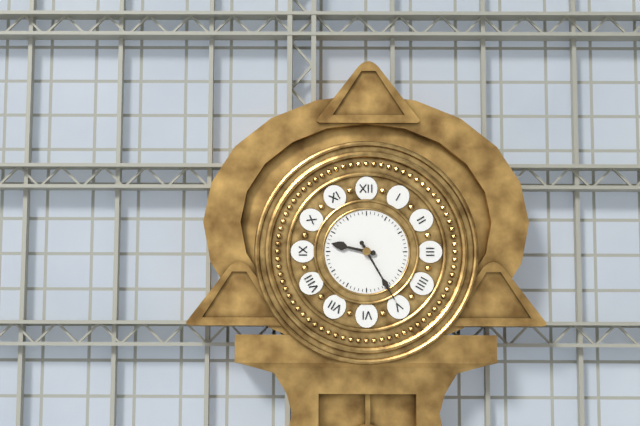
{"hour": 9, "minute": 25}
